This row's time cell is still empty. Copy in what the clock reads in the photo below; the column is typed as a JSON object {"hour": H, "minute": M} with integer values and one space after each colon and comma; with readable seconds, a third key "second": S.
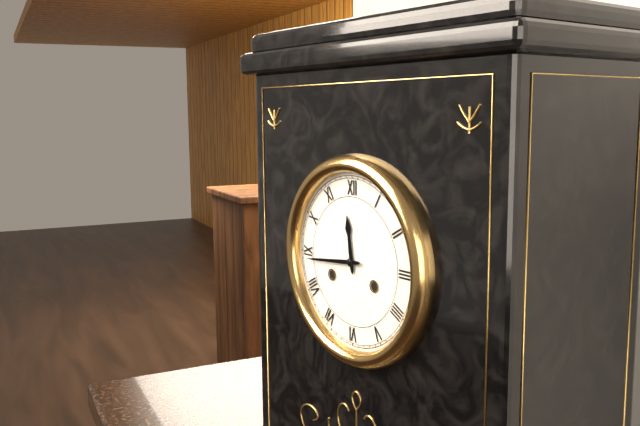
{"hour": 11, "minute": 44}
